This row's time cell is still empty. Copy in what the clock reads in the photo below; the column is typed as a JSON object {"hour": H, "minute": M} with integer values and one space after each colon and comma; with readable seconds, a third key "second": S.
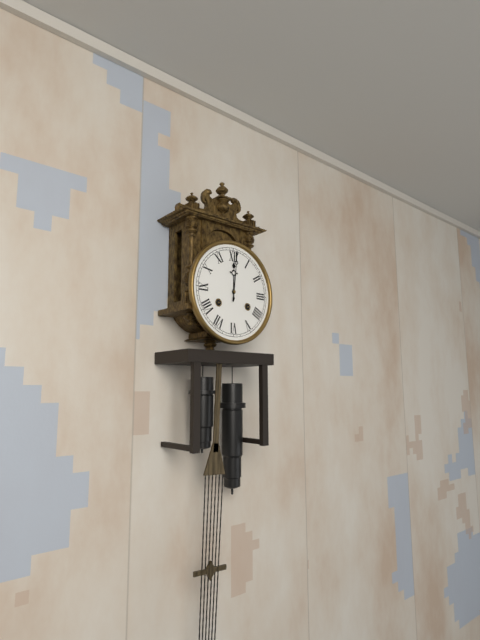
{"hour": 12, "minute": 1}
